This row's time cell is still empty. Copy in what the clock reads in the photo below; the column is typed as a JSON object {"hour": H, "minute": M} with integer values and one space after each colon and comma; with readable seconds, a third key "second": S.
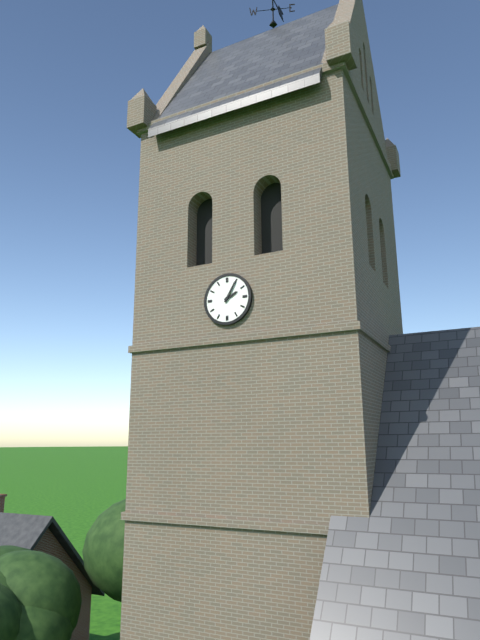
{"hour": 2, "minute": 5}
